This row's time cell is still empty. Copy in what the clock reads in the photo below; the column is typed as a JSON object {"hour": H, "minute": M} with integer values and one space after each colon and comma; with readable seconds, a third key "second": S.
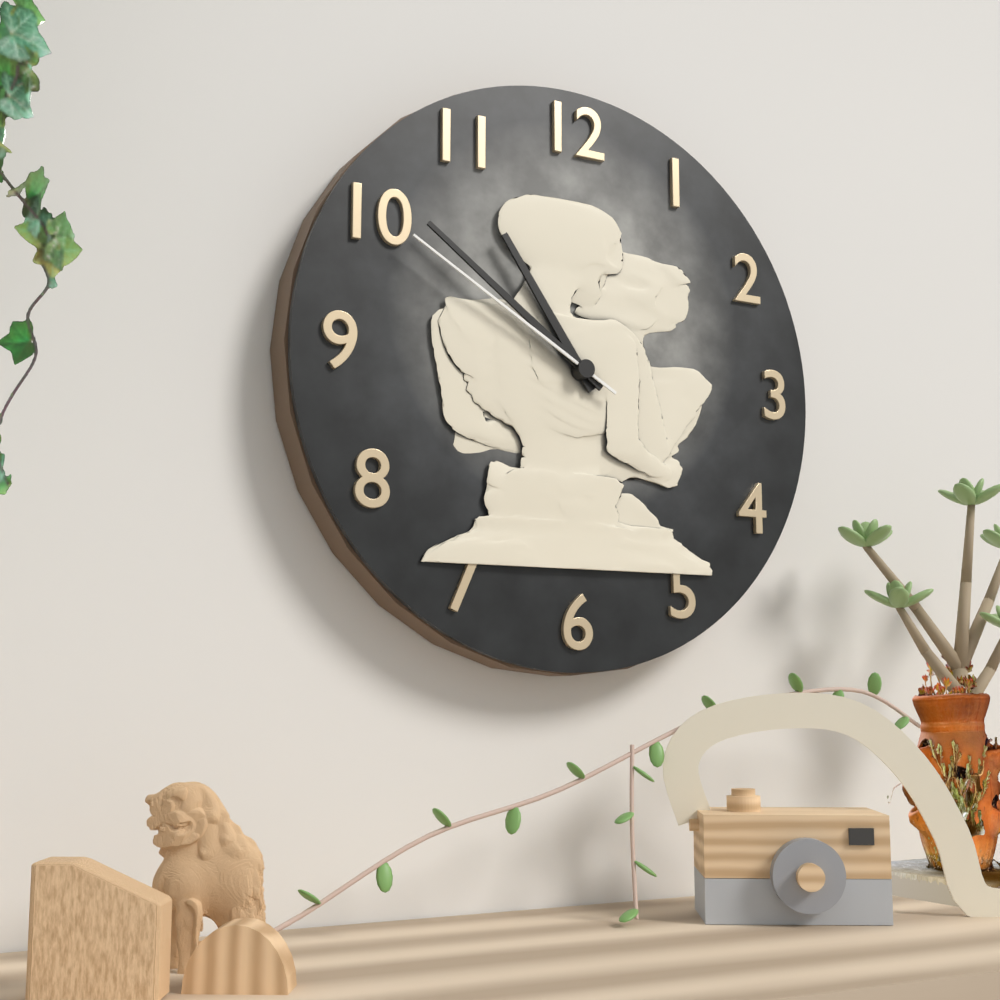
{"hour": 10, "minute": 51, "second": 50}
